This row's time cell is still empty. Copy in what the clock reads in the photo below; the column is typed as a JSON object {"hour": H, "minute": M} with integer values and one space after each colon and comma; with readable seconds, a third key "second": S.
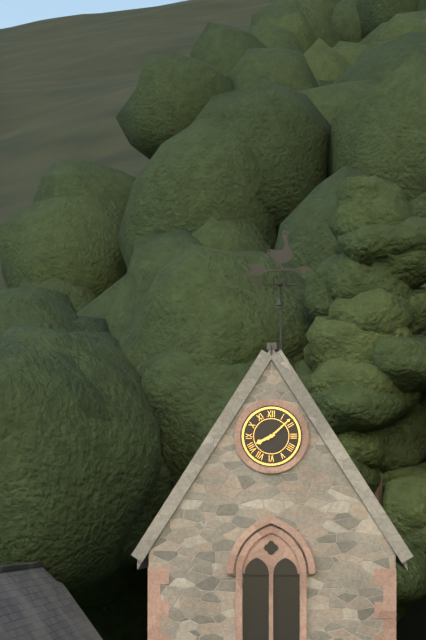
{"hour": 8, "minute": 8}
